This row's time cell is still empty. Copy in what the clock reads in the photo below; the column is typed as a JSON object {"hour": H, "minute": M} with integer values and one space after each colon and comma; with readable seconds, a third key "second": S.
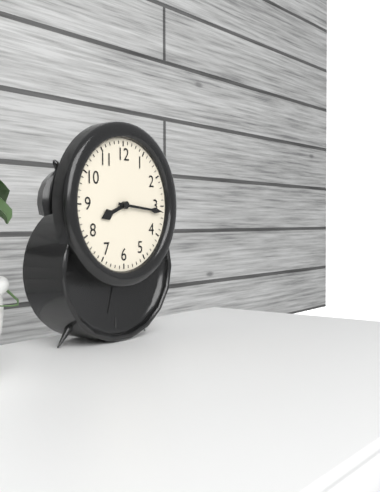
{"hour": 8, "minute": 16}
